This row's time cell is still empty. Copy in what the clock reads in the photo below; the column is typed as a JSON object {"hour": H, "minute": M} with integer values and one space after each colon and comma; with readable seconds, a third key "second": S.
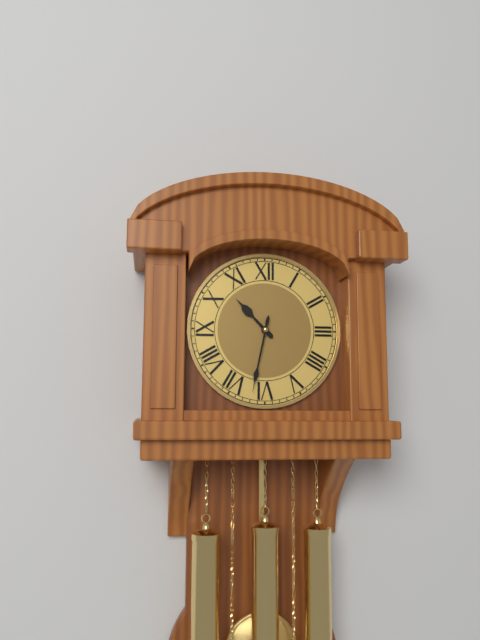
{"hour": 10, "minute": 32}
